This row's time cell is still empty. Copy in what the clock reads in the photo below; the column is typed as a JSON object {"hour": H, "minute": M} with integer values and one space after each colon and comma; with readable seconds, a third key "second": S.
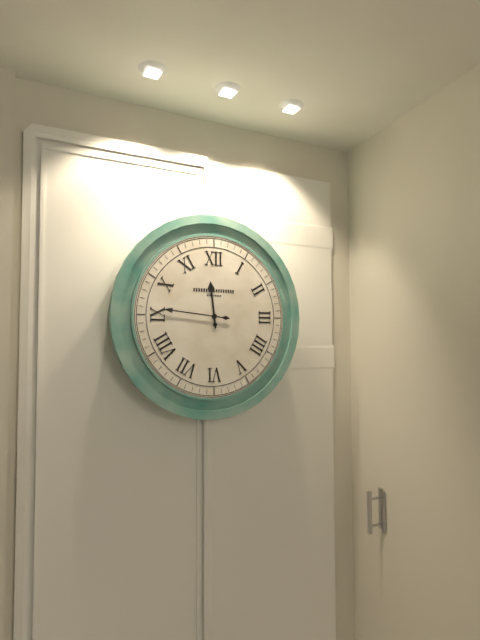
{"hour": 11, "minute": 46}
